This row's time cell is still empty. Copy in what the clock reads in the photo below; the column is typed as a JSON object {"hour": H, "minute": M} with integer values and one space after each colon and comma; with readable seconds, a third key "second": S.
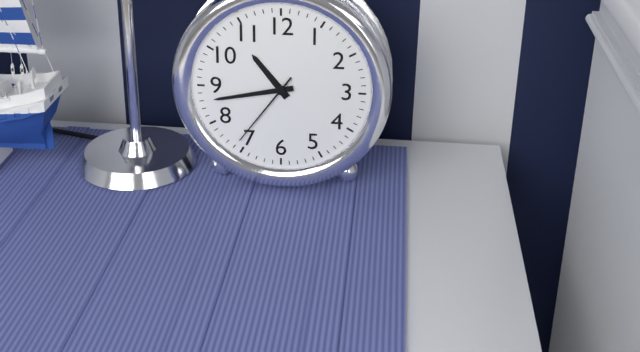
{"hour": 10, "minute": 43, "second": 36}
